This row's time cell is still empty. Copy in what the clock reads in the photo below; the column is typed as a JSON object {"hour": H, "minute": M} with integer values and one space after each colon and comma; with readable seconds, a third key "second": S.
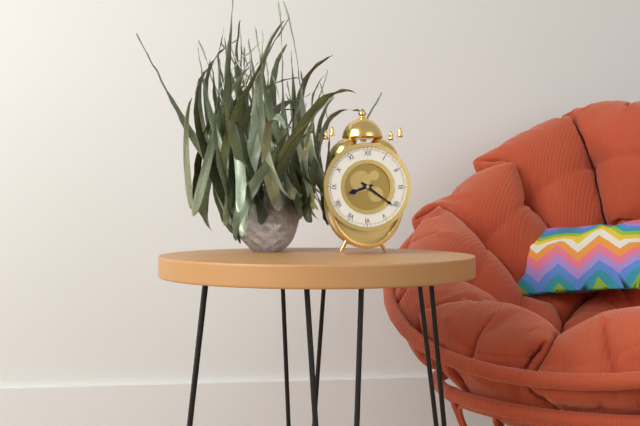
{"hour": 8, "minute": 21}
